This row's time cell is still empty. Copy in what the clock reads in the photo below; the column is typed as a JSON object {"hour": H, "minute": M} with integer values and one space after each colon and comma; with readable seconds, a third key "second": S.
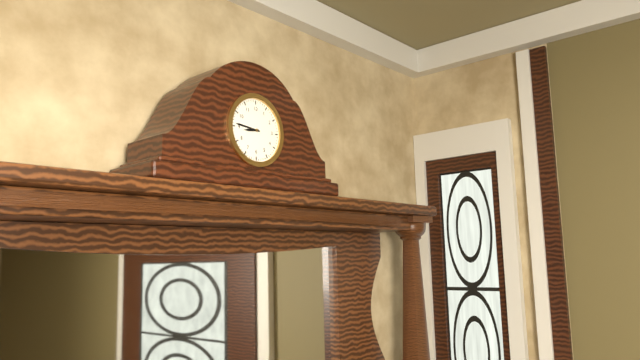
{"hour": 8, "minute": 46}
